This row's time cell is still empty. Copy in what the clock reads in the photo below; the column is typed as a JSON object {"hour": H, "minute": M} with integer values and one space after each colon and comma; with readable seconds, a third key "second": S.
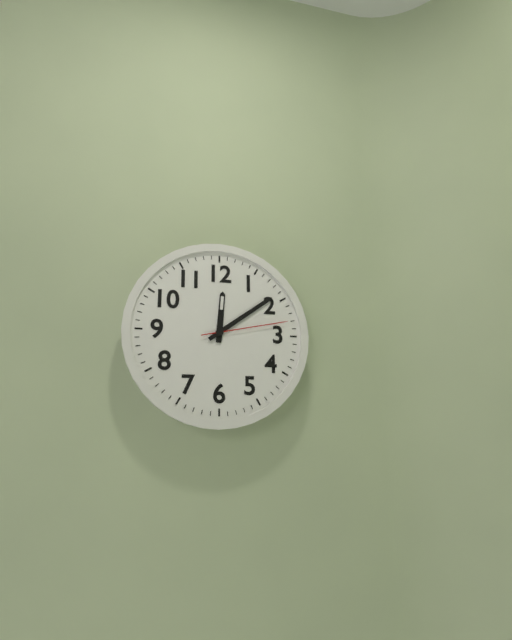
{"hour": 12, "minute": 9, "second": 13}
